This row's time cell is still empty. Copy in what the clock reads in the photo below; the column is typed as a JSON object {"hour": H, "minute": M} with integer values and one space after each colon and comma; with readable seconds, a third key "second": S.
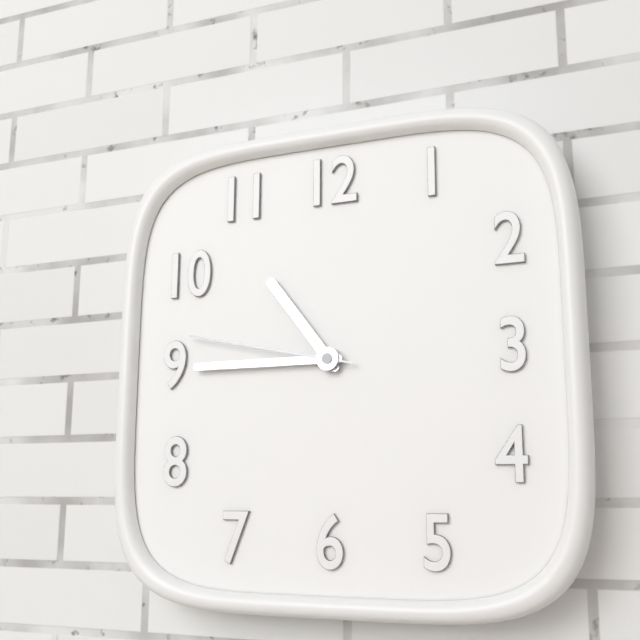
{"hour": 10, "minute": 45, "second": 47}
